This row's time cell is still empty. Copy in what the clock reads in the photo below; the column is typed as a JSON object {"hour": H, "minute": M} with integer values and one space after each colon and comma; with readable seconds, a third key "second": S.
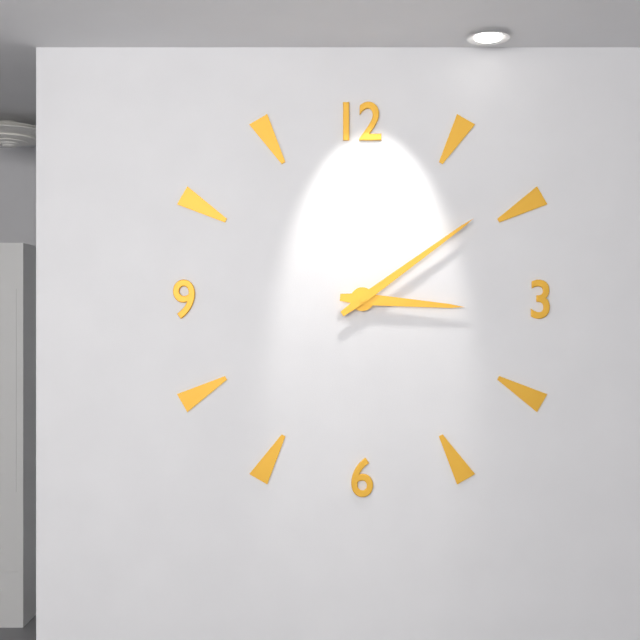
{"hour": 3, "minute": 9}
